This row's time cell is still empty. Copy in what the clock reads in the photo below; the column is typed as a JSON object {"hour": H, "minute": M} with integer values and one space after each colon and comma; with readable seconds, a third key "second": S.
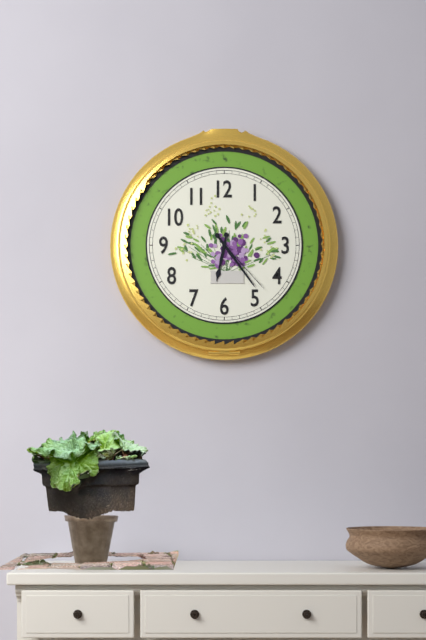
{"hour": 6, "minute": 24, "second": 23}
